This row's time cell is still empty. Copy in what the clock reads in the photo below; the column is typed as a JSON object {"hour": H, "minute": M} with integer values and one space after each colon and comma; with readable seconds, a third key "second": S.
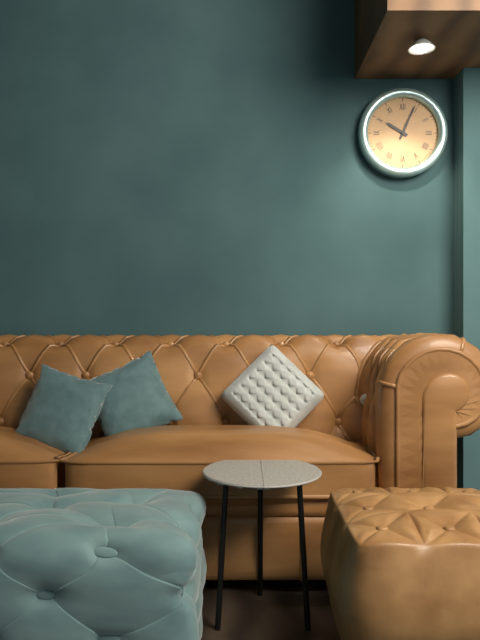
{"hour": 10, "minute": 4}
